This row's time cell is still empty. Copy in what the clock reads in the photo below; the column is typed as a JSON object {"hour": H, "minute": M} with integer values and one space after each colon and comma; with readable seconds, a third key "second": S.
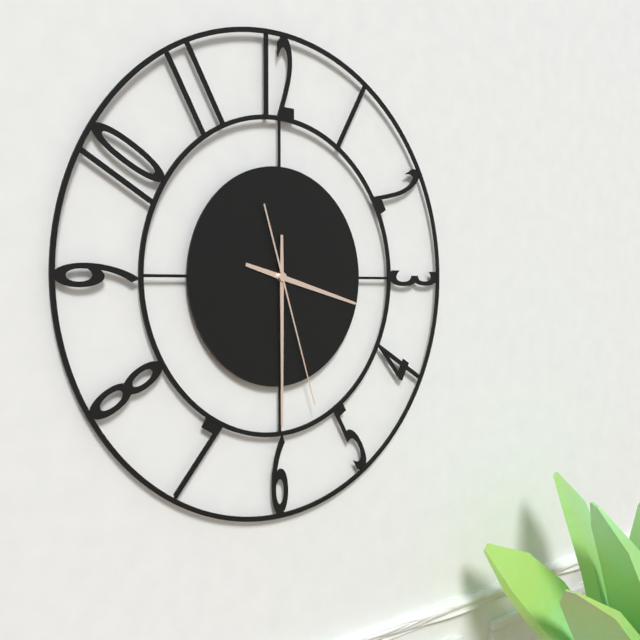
{"hour": 3, "minute": 30, "second": 27}
